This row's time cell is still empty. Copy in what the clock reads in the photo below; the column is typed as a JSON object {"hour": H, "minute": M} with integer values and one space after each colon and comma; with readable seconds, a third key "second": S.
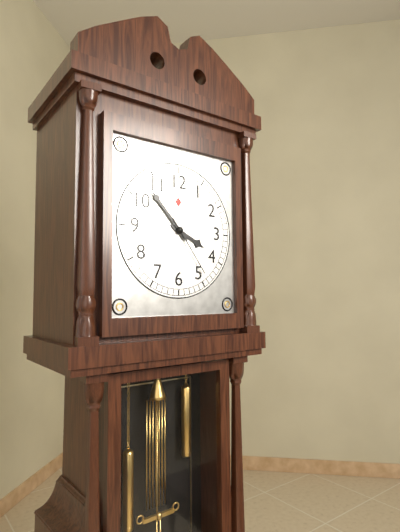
{"hour": 3, "minute": 53, "second": 24}
